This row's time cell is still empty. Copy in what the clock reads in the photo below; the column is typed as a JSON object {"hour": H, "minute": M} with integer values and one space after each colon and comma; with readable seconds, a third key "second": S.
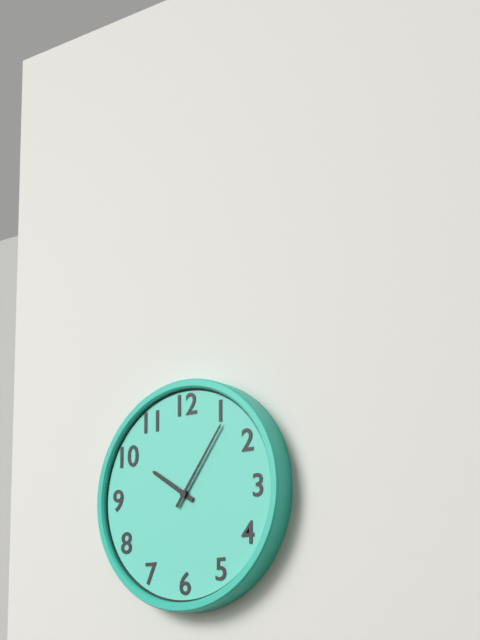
{"hour": 10, "minute": 6}
